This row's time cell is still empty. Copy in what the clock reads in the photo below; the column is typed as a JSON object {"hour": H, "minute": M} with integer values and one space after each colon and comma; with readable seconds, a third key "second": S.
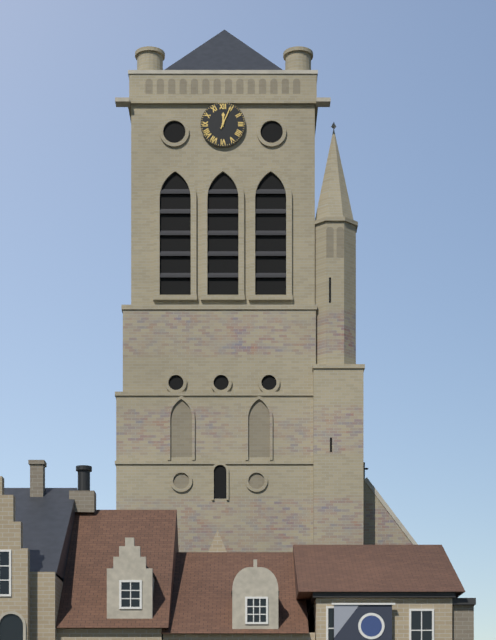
{"hour": 12, "minute": 4}
